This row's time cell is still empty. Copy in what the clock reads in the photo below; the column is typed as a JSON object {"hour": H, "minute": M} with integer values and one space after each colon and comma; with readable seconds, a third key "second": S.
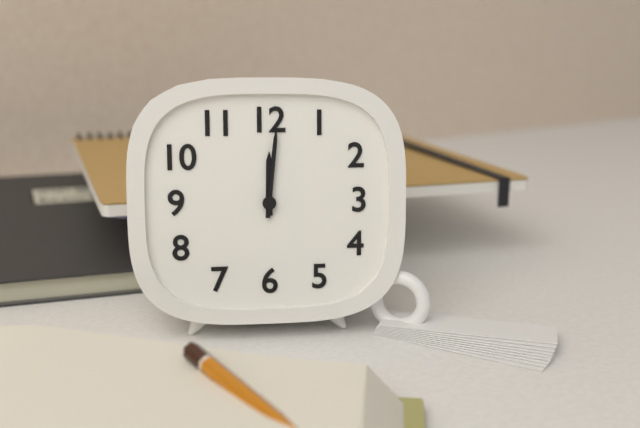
{"hour": 12, "minute": 1}
